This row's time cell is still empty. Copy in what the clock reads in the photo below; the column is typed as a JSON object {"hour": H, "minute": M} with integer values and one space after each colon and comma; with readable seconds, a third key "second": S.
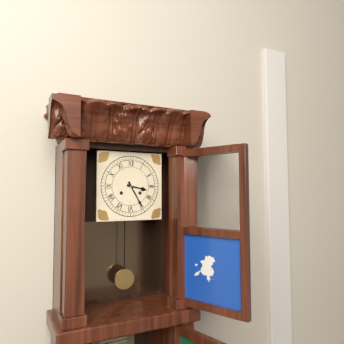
{"hour": 3, "minute": 25}
